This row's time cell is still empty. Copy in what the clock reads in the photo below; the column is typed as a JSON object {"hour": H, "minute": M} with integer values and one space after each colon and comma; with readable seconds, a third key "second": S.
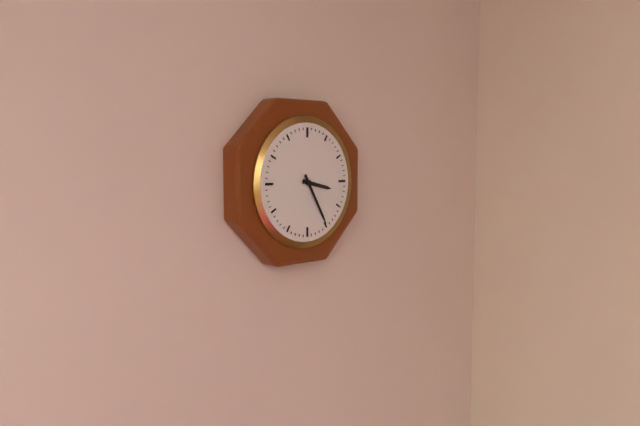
{"hour": 3, "minute": 25}
